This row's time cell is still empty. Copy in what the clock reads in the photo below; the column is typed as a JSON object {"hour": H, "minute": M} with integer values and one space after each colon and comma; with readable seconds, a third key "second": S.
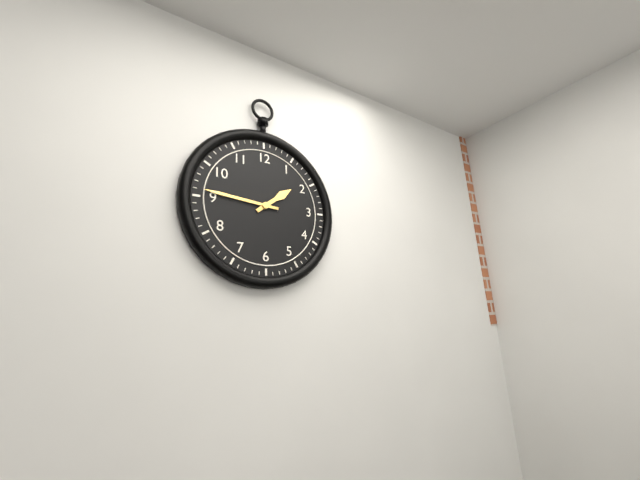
{"hour": 1, "minute": 46}
